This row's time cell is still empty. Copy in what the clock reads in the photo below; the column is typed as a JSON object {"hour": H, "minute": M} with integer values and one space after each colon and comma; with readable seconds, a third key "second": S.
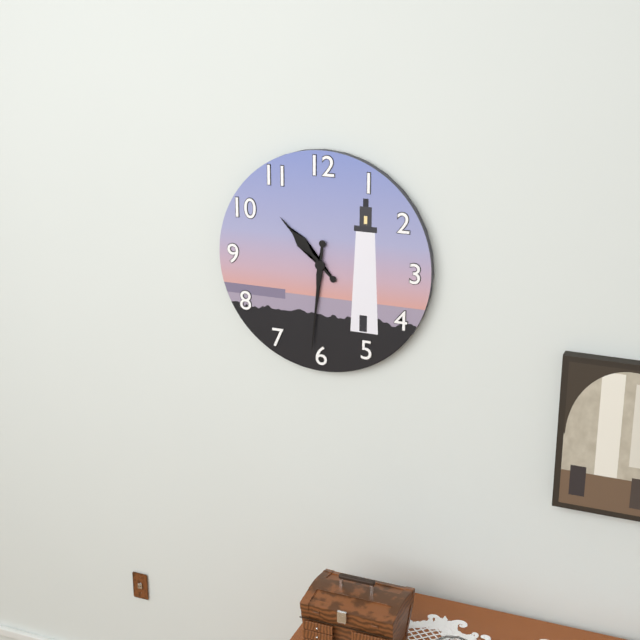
{"hour": 10, "minute": 31}
